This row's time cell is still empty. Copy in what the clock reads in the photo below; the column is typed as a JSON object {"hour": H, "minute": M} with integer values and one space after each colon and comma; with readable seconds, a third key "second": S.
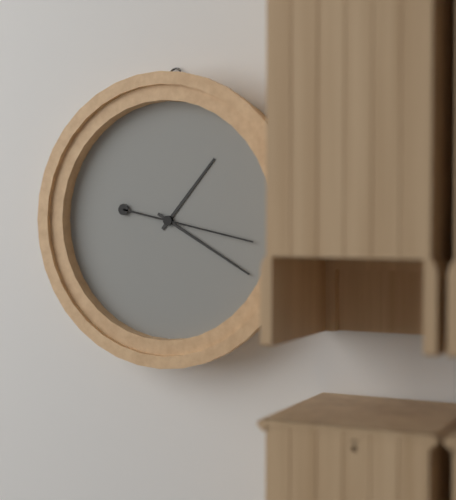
{"hour": 1, "minute": 20, "second": 17}
